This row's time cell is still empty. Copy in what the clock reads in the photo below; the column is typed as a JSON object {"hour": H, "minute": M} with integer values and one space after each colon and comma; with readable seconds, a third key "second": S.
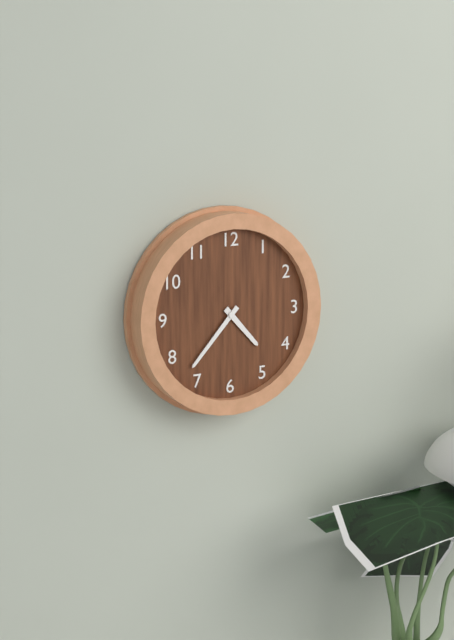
{"hour": 4, "minute": 37}
